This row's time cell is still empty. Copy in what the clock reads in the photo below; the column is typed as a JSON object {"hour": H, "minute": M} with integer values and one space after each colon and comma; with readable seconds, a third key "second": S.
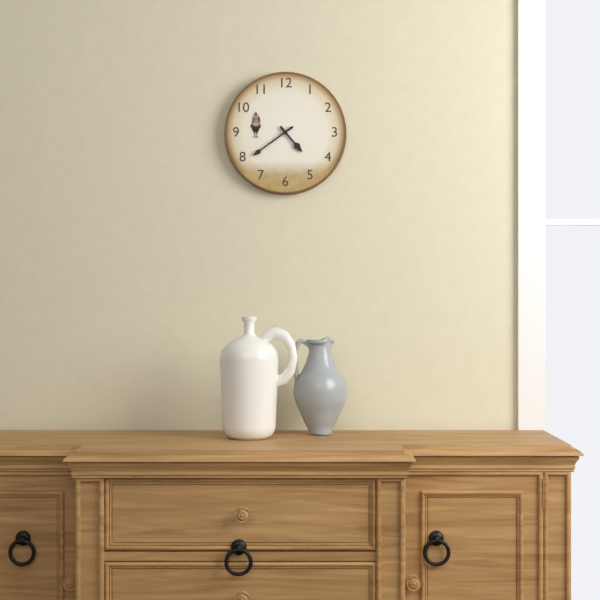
{"hour": 4, "minute": 39}
